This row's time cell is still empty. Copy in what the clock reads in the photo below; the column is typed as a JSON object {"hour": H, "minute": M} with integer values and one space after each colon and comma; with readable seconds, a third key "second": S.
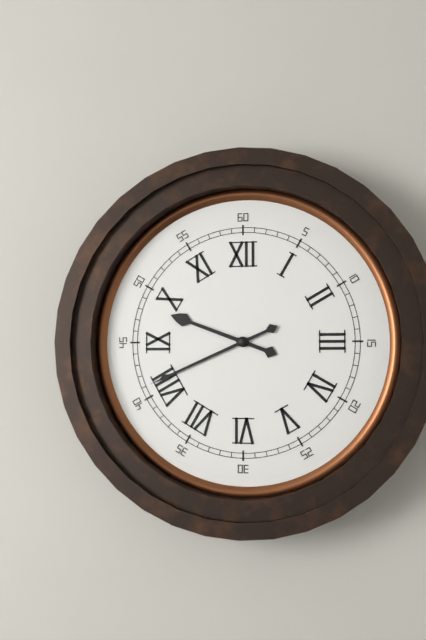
{"hour": 9, "minute": 41}
